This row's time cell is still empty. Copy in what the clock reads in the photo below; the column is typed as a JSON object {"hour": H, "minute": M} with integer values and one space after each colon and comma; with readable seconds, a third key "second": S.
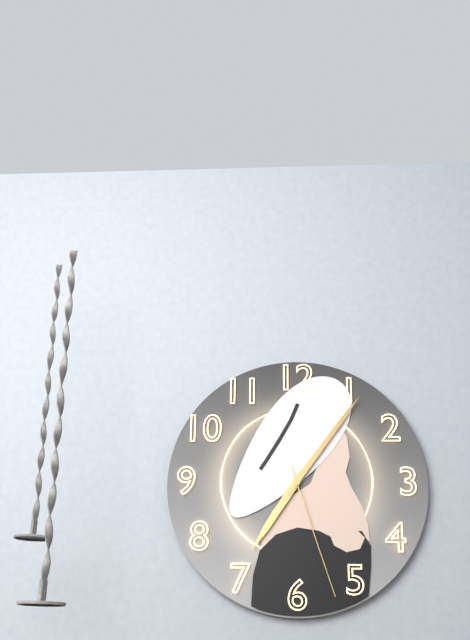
{"hour": 7, "minute": 6, "second": 27}
